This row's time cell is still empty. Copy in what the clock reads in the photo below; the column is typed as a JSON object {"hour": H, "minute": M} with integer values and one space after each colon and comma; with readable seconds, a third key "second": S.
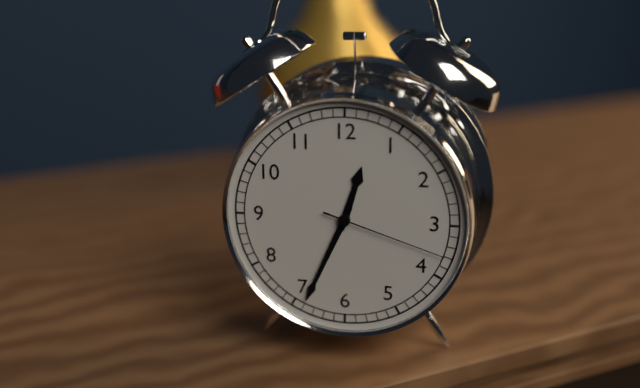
{"hour": 12, "minute": 34, "second": 18}
